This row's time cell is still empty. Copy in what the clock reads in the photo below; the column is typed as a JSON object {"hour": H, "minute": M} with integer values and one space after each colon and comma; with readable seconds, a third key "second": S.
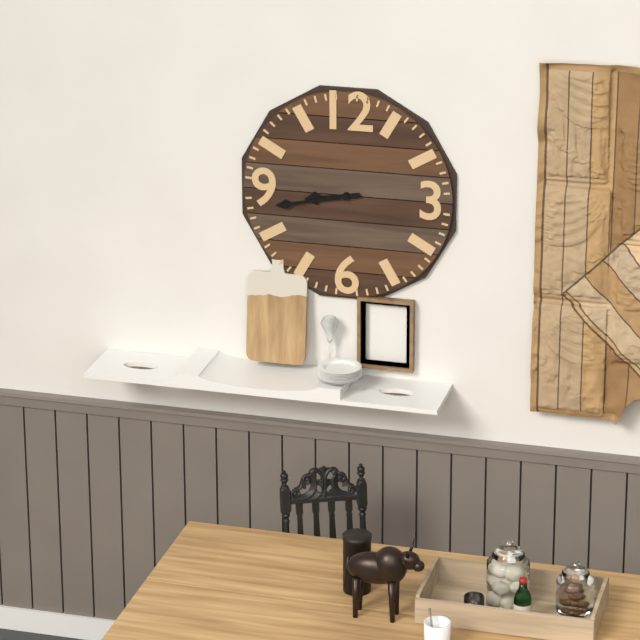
{"hour": 8, "minute": 43}
